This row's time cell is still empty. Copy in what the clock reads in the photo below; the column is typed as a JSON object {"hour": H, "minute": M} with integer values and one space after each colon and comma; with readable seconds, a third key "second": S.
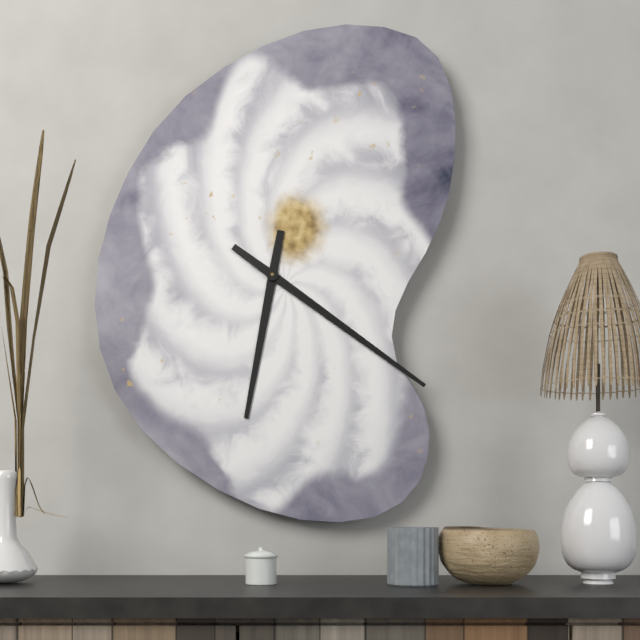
{"hour": 6, "minute": 21}
